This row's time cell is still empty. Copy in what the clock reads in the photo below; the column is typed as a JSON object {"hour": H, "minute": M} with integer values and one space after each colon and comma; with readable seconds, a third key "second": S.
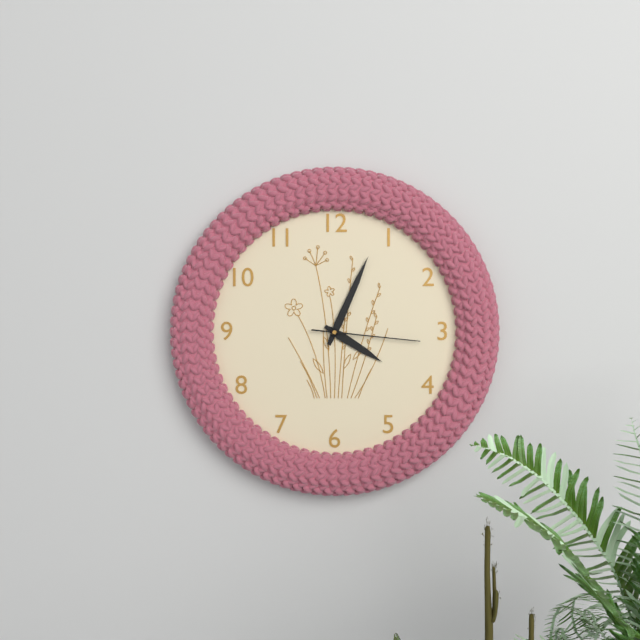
{"hour": 4, "minute": 4, "second": 16}
